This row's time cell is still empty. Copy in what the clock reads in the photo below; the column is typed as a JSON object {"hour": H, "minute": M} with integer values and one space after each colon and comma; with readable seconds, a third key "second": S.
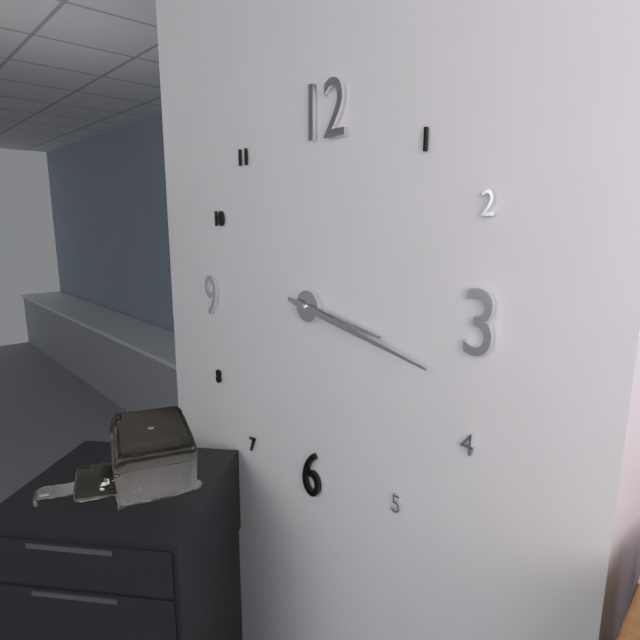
{"hour": 3, "minute": 17}
